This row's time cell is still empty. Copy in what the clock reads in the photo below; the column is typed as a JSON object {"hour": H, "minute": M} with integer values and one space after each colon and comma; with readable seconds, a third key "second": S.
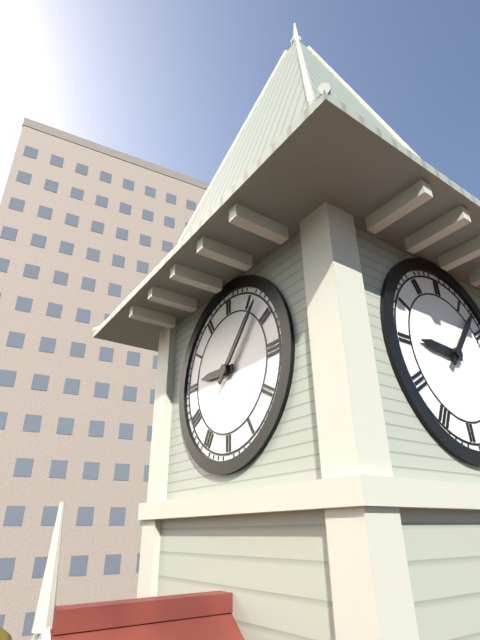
{"hour": 9, "minute": 7}
